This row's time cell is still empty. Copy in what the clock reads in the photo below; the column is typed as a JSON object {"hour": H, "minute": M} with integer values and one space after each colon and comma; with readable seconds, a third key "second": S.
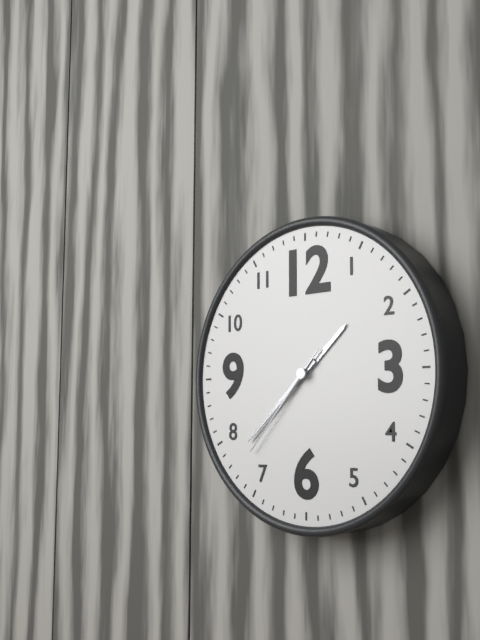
{"hour": 1, "minute": 38, "second": 37}
